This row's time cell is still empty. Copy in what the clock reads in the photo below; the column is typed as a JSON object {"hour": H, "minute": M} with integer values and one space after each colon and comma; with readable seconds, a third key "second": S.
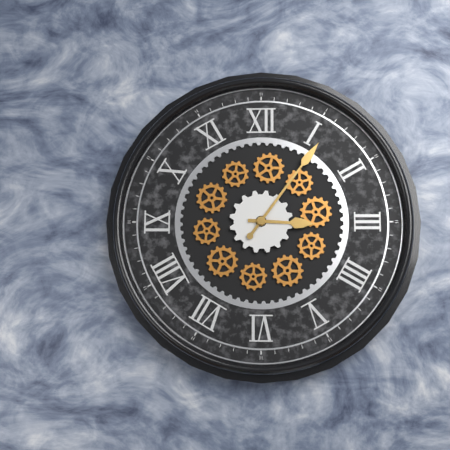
{"hour": 3, "minute": 6}
